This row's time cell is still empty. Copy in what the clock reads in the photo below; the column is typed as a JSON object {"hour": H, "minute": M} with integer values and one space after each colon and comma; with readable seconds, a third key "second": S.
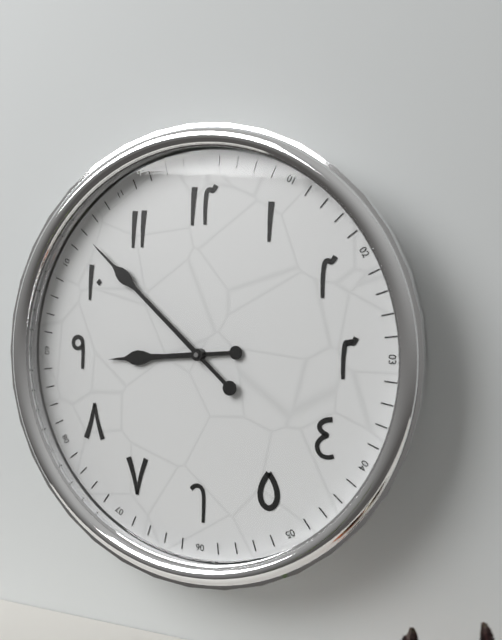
{"hour": 8, "minute": 52}
